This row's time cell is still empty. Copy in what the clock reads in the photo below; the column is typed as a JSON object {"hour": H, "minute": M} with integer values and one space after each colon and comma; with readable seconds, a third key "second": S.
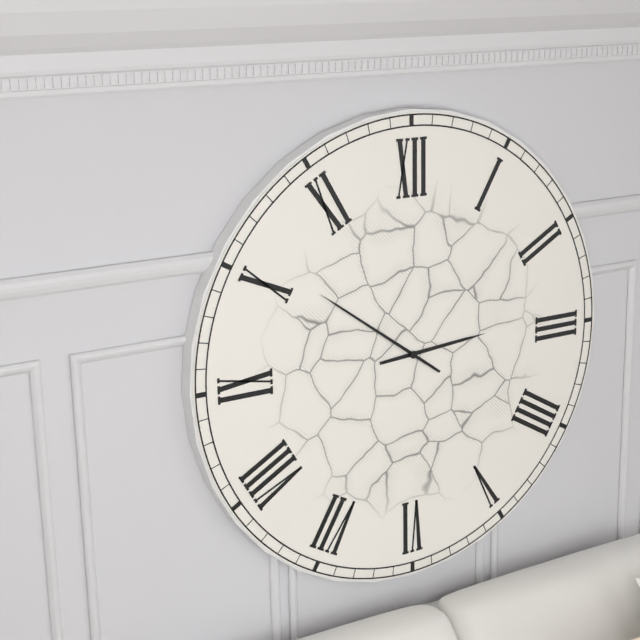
{"hour": 2, "minute": 51}
